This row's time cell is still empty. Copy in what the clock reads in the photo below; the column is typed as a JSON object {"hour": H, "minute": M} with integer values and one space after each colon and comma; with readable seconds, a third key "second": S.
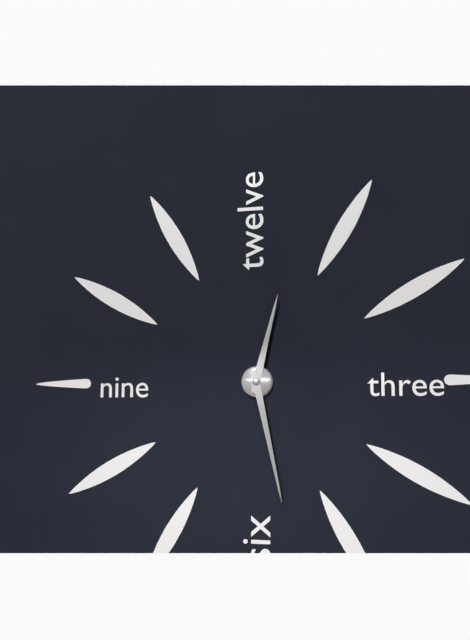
{"hour": 12, "minute": 28}
